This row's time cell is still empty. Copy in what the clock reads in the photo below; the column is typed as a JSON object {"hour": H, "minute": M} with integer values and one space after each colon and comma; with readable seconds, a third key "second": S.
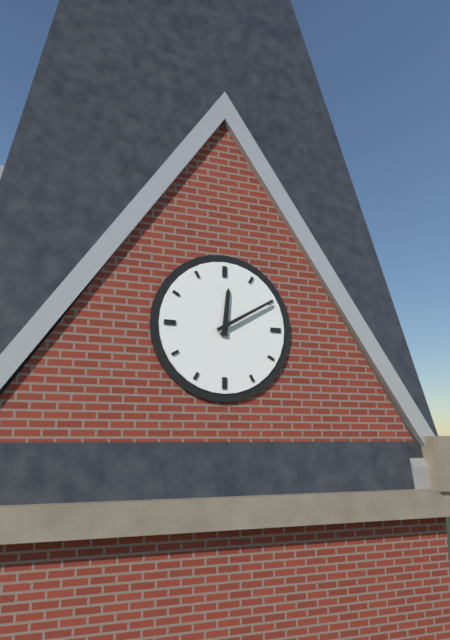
{"hour": 12, "minute": 10}
